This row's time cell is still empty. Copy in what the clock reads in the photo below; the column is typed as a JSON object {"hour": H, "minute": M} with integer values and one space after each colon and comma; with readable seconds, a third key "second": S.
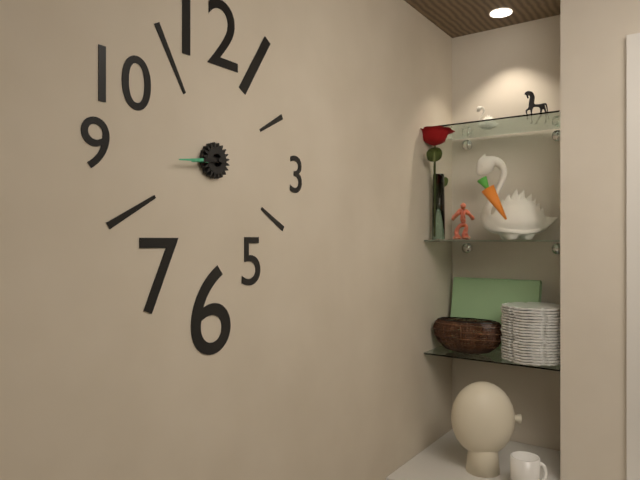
{"hour": 8, "minute": 44}
